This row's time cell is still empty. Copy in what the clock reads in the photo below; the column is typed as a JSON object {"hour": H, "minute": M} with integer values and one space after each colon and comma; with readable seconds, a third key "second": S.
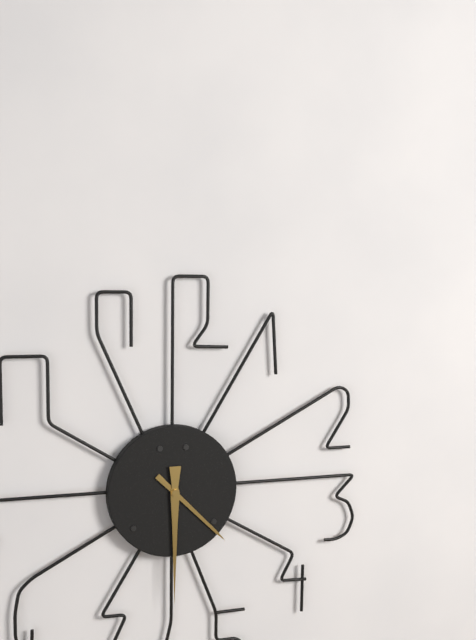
{"hour": 4, "minute": 30}
